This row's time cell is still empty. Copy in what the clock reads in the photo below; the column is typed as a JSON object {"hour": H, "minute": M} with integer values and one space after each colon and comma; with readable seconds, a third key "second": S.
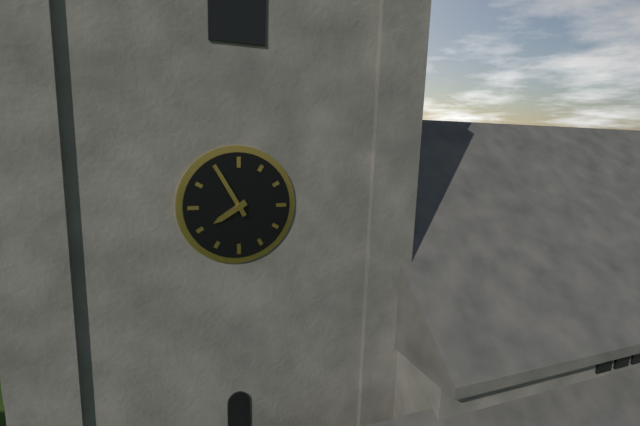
{"hour": 7, "minute": 55}
